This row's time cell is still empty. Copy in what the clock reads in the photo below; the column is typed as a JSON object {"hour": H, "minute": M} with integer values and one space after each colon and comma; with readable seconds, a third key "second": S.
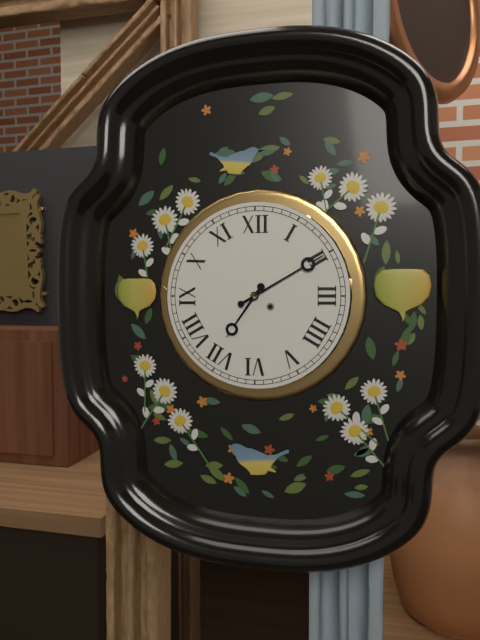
{"hour": 7, "minute": 10}
